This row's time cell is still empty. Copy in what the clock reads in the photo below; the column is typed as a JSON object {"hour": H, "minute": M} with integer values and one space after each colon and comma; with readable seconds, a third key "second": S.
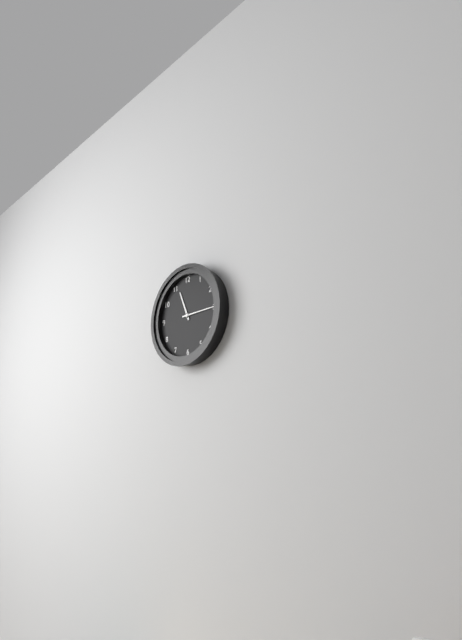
{"hour": 11, "minute": 15}
